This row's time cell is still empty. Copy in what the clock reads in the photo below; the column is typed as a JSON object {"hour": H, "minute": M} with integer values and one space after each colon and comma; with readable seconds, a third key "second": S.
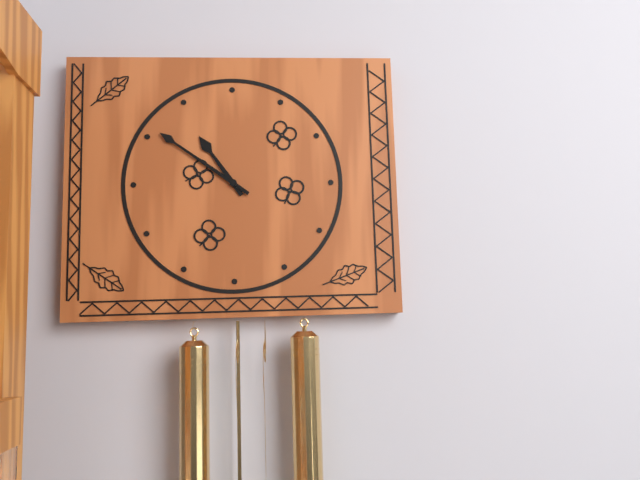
{"hour": 10, "minute": 51}
